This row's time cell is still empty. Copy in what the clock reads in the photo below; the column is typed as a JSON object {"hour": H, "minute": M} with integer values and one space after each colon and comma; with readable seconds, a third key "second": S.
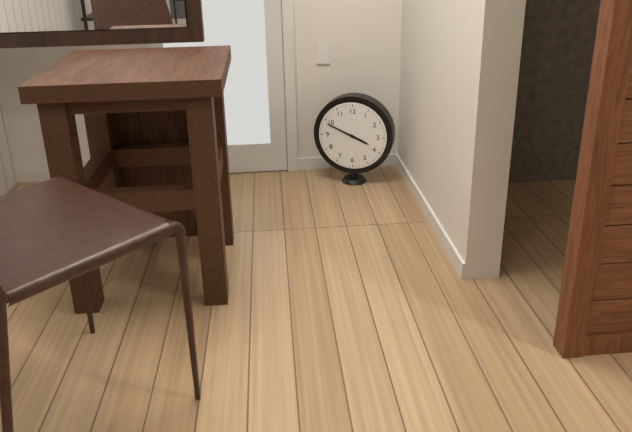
{"hour": 3, "minute": 49}
